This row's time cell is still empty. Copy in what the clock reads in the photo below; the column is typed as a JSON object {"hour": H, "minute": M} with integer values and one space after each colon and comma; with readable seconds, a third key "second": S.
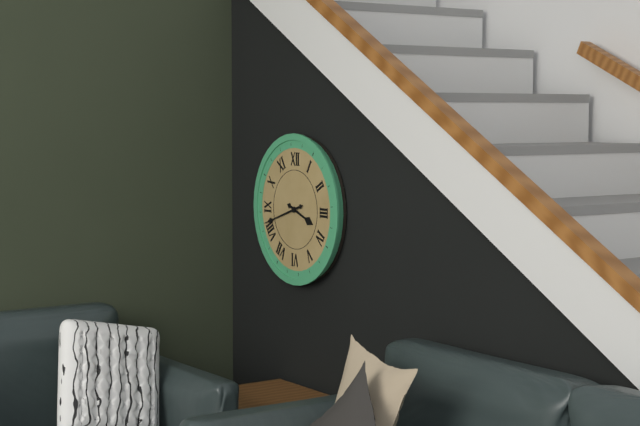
{"hour": 3, "minute": 42}
